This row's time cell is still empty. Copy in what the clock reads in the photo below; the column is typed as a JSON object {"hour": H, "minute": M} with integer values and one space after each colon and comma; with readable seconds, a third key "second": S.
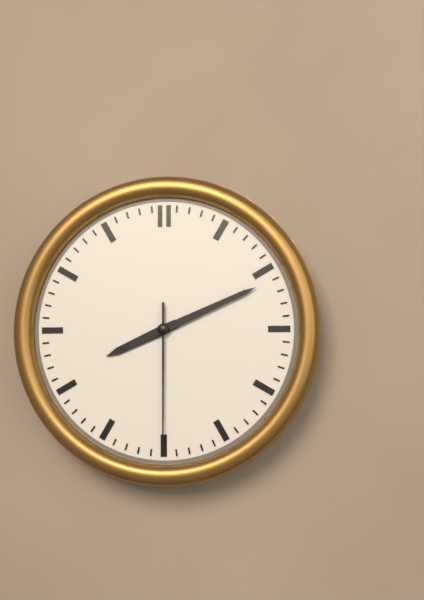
{"hour": 8, "minute": 11, "second": 30}
